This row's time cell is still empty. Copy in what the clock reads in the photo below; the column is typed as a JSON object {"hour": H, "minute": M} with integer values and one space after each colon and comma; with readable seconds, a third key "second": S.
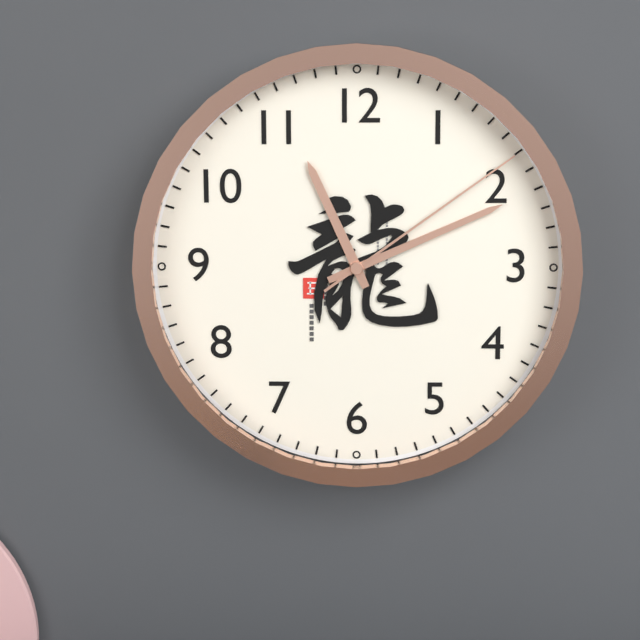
{"hour": 11, "minute": 11, "second": 9}
